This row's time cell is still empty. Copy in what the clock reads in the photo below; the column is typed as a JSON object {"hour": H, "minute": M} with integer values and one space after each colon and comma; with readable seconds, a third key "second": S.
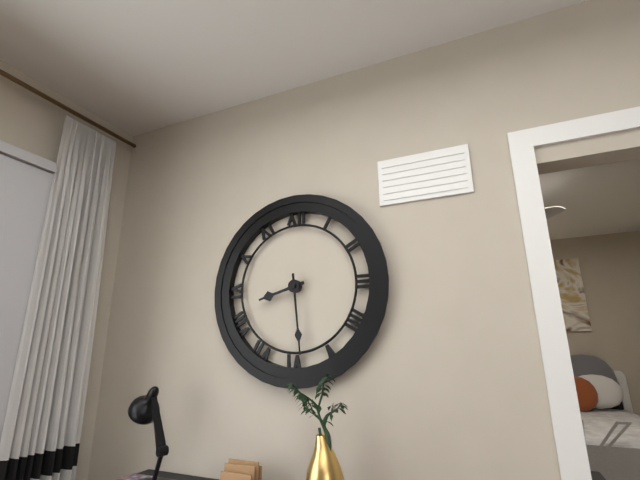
{"hour": 8, "minute": 29}
